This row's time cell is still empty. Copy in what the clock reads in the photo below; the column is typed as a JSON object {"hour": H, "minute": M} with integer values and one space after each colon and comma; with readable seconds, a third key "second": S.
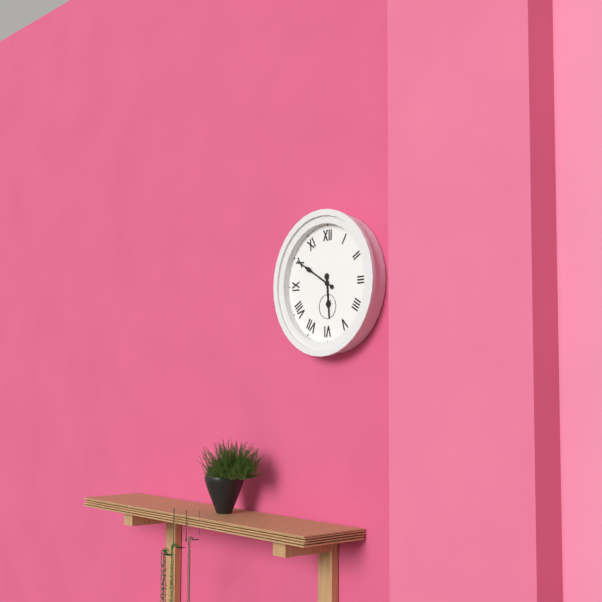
{"hour": 5, "minute": 50}
